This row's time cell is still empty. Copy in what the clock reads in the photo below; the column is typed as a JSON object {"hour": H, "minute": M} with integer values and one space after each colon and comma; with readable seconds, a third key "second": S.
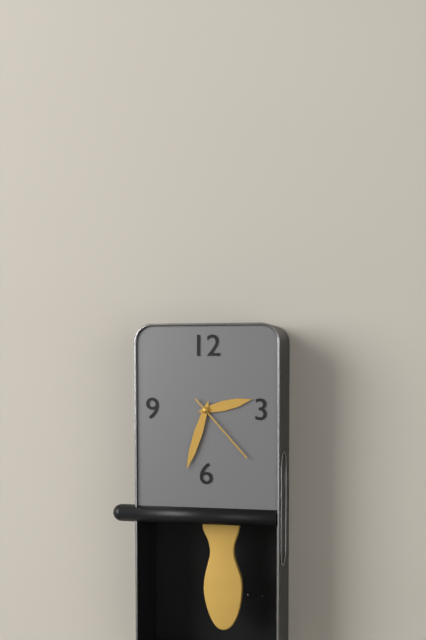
{"hour": 2, "minute": 33, "second": 23}
